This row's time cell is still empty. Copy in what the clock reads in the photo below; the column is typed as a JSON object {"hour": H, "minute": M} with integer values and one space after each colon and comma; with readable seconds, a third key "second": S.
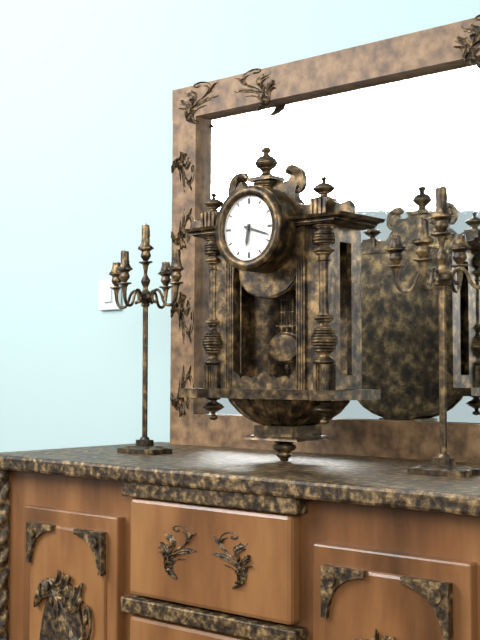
{"hour": 6, "minute": 18}
